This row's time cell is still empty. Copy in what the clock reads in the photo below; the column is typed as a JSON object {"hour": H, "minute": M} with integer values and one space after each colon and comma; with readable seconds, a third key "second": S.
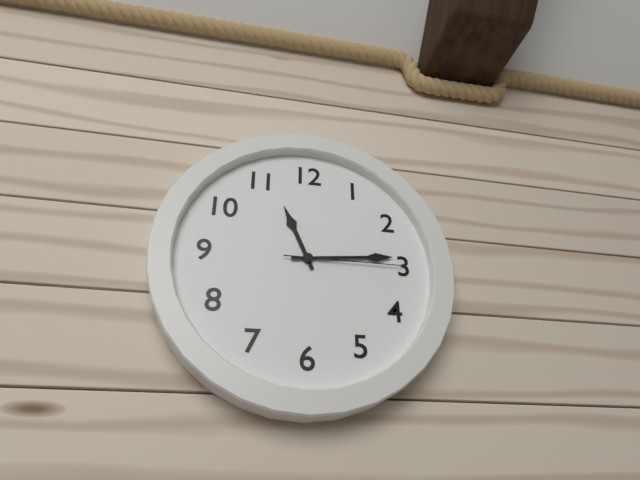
{"hour": 11, "minute": 14, "second": 15}
